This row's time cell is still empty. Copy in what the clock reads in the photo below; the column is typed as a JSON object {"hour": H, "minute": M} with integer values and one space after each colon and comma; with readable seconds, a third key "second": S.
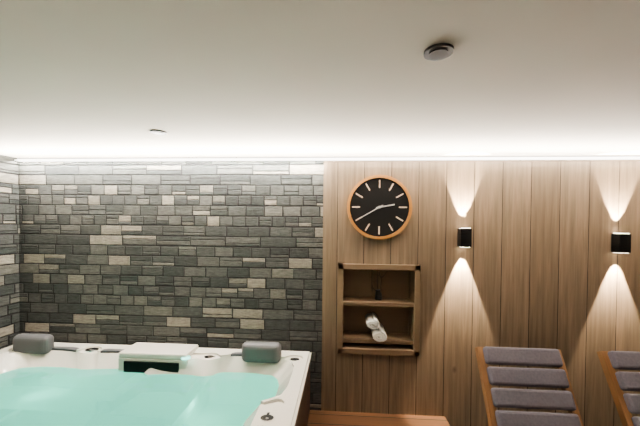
{"hour": 2, "minute": 40}
